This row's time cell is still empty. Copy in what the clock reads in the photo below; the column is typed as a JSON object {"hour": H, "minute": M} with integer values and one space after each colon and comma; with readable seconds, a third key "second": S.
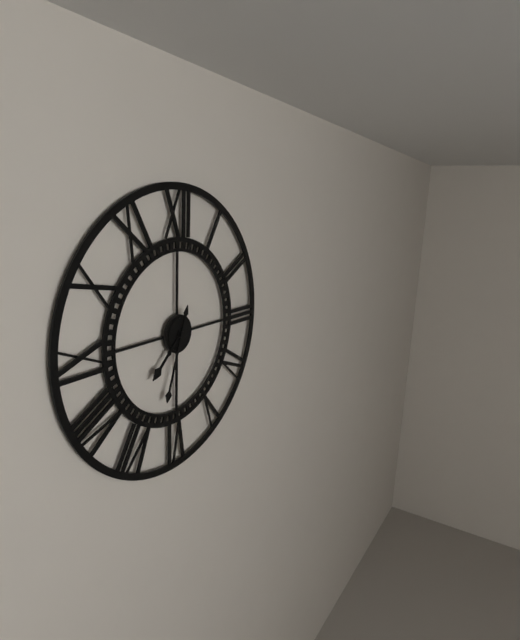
{"hour": 7, "minute": 33}
